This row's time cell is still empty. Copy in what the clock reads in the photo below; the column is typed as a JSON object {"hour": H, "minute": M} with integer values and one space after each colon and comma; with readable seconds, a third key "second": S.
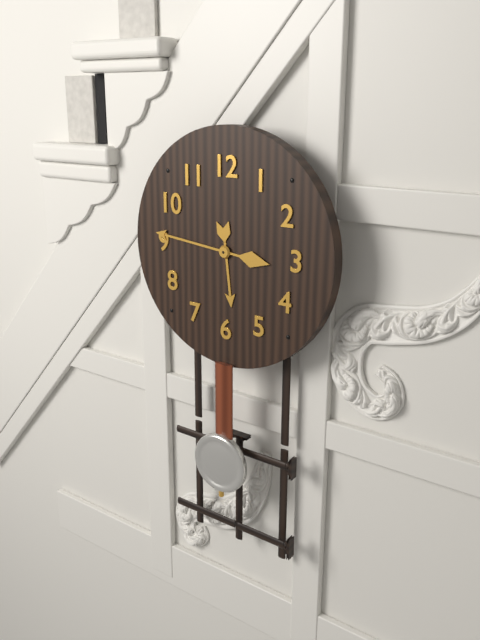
{"hour": 5, "minute": 46}
